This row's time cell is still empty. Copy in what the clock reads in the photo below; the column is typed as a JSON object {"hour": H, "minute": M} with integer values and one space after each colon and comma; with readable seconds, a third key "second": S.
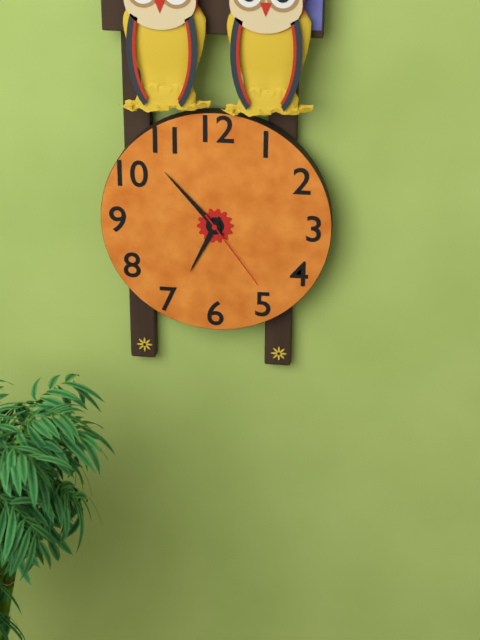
{"hour": 6, "minute": 53, "second": 24}
